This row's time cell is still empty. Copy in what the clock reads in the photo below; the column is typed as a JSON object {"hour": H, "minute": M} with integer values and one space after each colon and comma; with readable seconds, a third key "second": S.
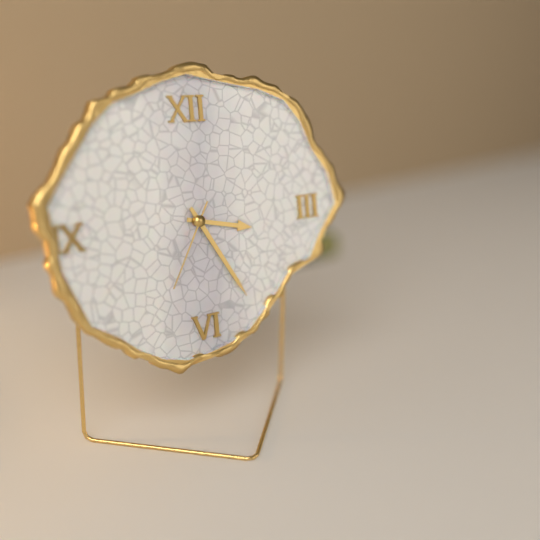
{"hour": 3, "minute": 25, "second": 35}
